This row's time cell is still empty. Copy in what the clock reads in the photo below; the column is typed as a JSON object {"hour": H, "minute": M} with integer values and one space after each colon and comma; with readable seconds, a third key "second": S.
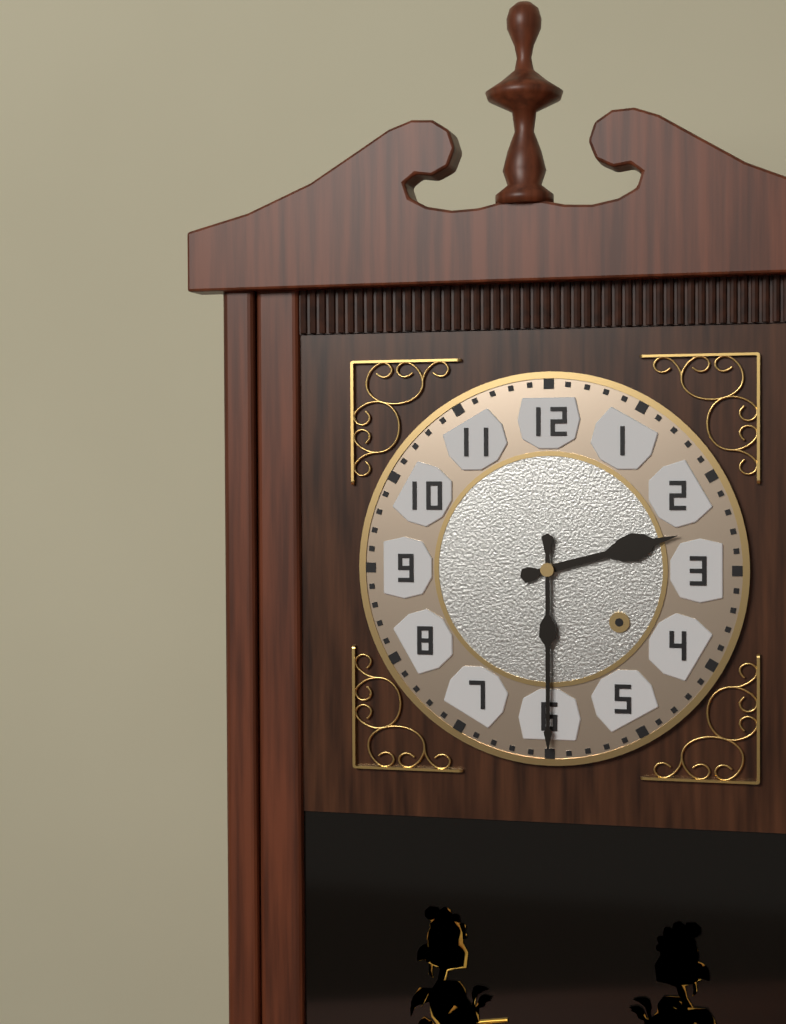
{"hour": 2, "minute": 30}
